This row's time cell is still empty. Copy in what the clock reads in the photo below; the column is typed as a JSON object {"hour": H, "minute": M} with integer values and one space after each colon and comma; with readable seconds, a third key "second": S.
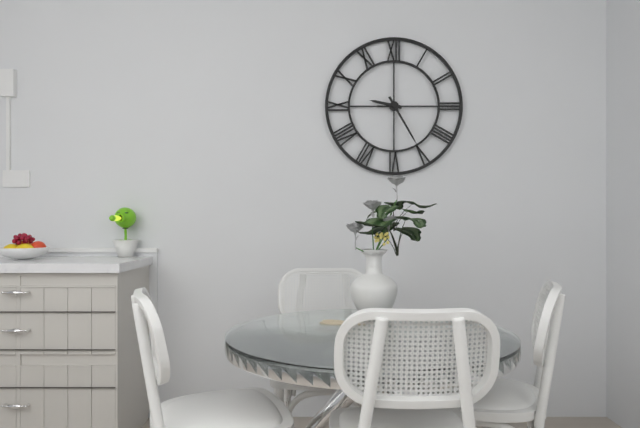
{"hour": 9, "minute": 25}
